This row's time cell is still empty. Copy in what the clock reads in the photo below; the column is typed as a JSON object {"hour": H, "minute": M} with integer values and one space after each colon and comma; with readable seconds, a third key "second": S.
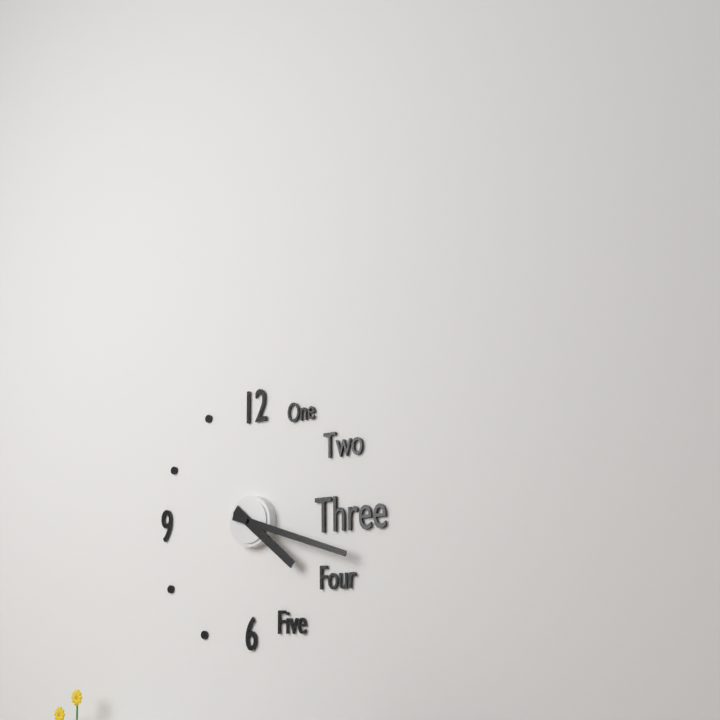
{"hour": 4, "minute": 18}
